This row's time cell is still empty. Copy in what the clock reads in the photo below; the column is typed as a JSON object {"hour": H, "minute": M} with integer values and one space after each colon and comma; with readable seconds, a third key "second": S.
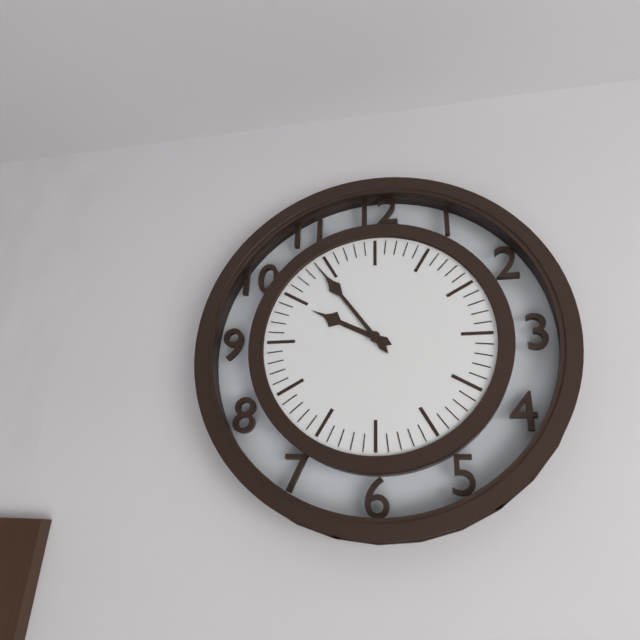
{"hour": 9, "minute": 54}
